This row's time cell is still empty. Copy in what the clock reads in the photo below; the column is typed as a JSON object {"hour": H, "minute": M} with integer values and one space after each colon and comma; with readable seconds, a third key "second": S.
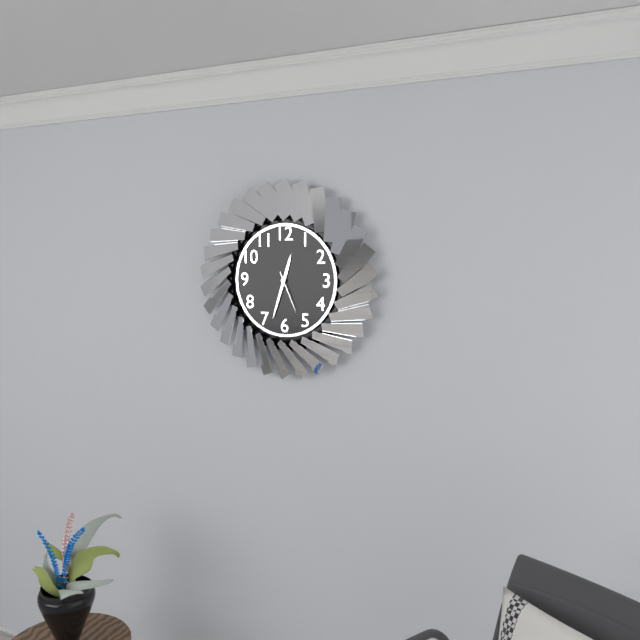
{"hour": 12, "minute": 33}
